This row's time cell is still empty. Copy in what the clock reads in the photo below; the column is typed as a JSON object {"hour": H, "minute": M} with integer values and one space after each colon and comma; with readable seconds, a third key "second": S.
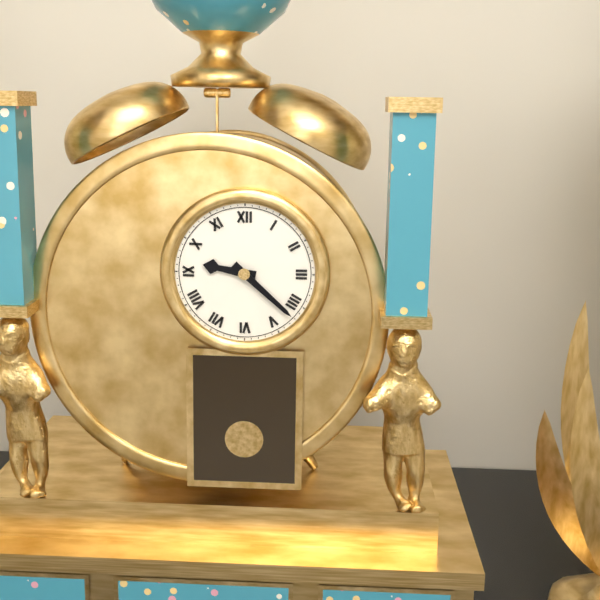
{"hour": 9, "minute": 22}
